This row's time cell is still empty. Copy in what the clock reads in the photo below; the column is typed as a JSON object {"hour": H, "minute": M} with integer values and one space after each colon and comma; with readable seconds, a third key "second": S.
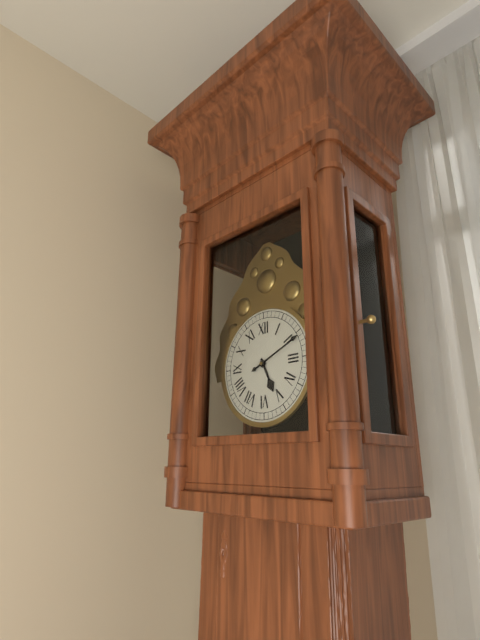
{"hour": 5, "minute": 11}
